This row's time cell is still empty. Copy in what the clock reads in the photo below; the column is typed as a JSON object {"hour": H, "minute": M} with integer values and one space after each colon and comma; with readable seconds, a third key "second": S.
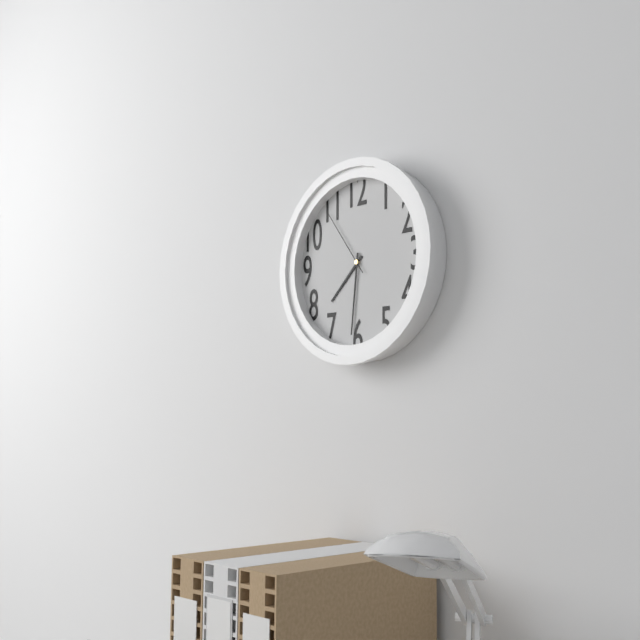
{"hour": 7, "minute": 31, "second": 54}
